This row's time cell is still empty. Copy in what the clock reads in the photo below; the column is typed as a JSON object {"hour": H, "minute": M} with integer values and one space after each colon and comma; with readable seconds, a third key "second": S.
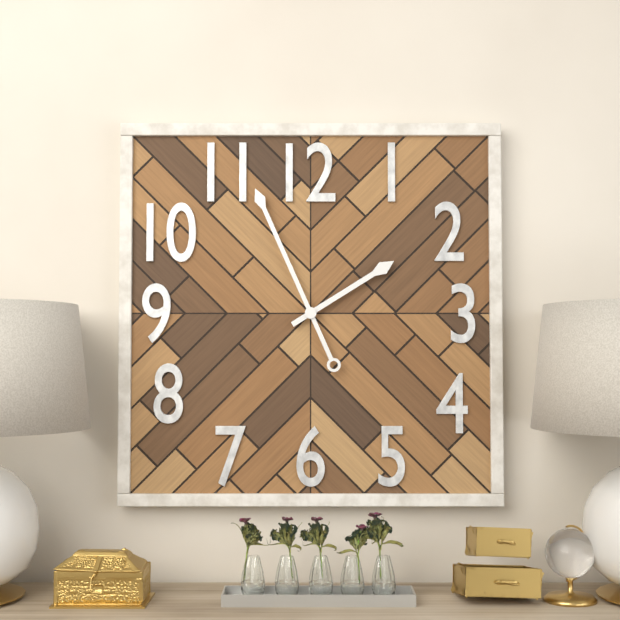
{"hour": 1, "minute": 56}
